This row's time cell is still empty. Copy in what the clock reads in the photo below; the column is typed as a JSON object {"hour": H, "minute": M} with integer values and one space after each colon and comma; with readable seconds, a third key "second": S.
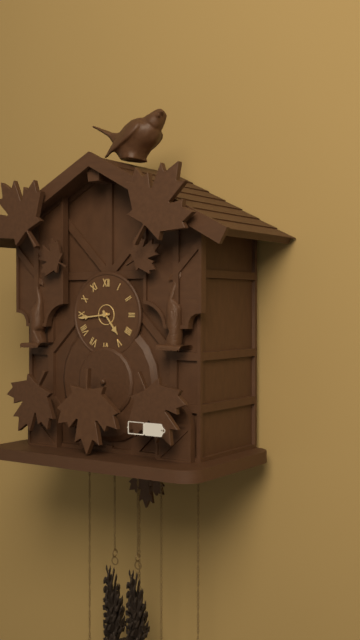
{"hour": 4, "minute": 44}
